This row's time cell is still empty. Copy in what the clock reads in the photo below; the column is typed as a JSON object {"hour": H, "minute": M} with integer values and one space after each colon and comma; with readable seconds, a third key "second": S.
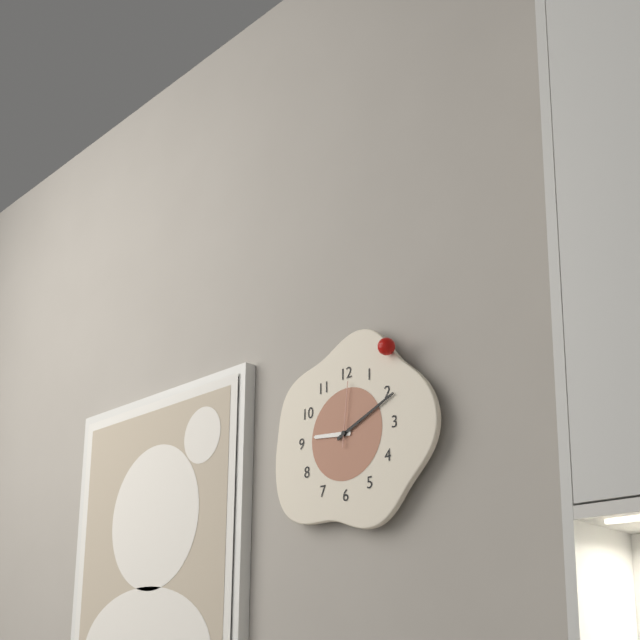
{"hour": 9, "minute": 11, "second": 1}
